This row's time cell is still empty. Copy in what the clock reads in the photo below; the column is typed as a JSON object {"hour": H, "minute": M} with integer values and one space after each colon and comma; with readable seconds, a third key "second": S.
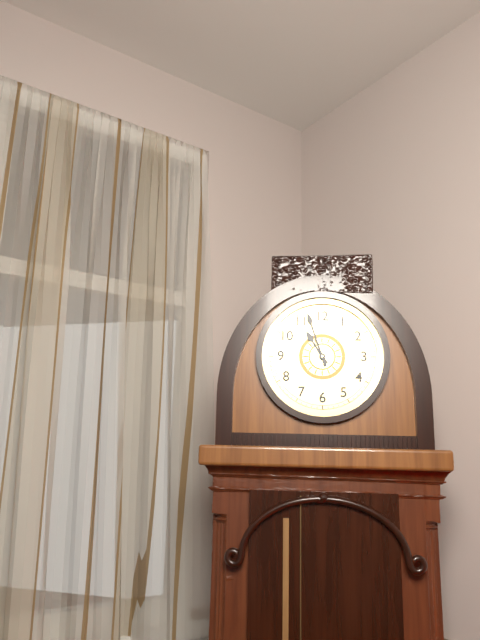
{"hour": 10, "minute": 57}
